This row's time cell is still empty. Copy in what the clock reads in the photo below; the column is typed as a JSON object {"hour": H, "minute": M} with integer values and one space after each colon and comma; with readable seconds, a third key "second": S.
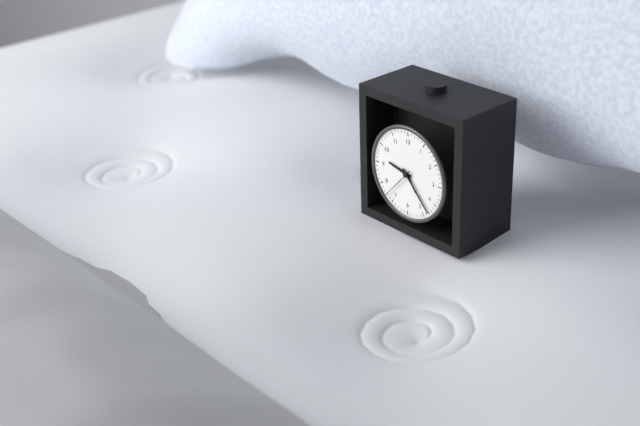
{"hour": 9, "minute": 23}
